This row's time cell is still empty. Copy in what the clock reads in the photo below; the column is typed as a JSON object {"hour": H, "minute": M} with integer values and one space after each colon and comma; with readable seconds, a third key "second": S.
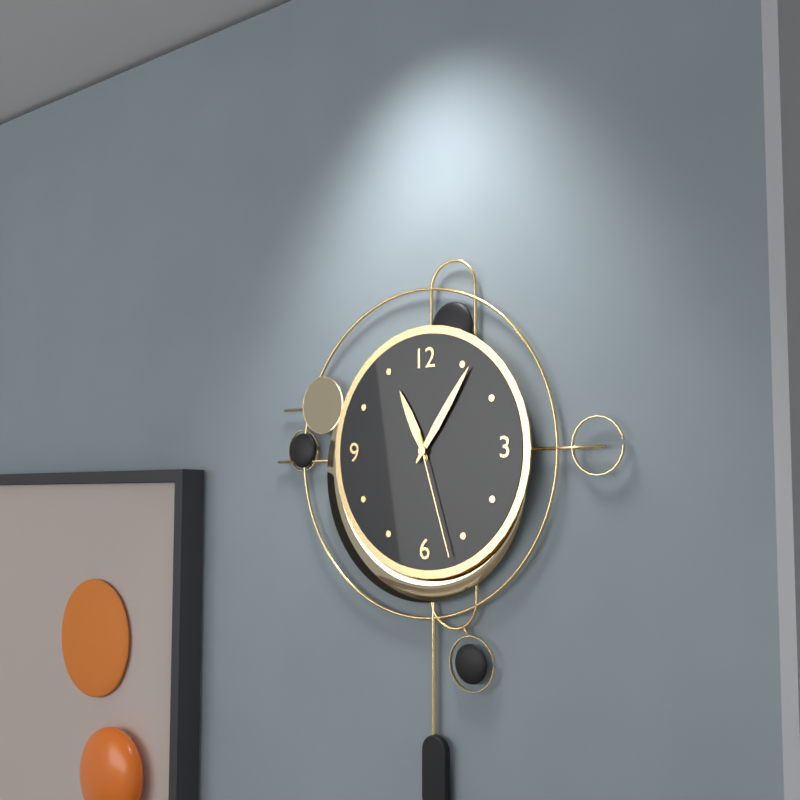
{"hour": 11, "minute": 6, "second": 27}
